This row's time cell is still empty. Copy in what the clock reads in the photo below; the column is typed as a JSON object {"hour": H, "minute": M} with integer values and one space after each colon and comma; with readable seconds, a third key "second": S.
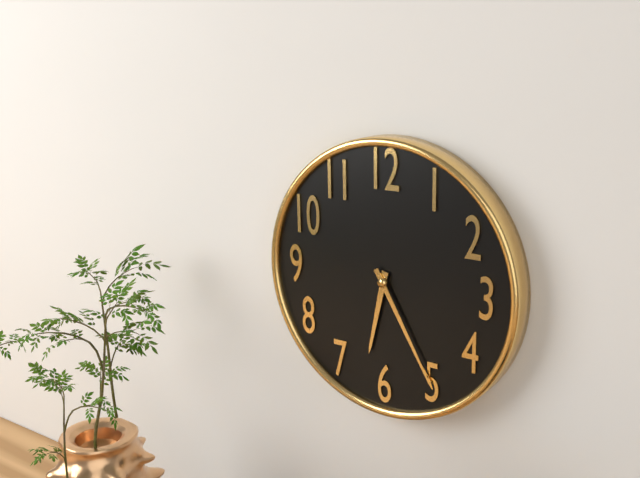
{"hour": 6, "minute": 25}
